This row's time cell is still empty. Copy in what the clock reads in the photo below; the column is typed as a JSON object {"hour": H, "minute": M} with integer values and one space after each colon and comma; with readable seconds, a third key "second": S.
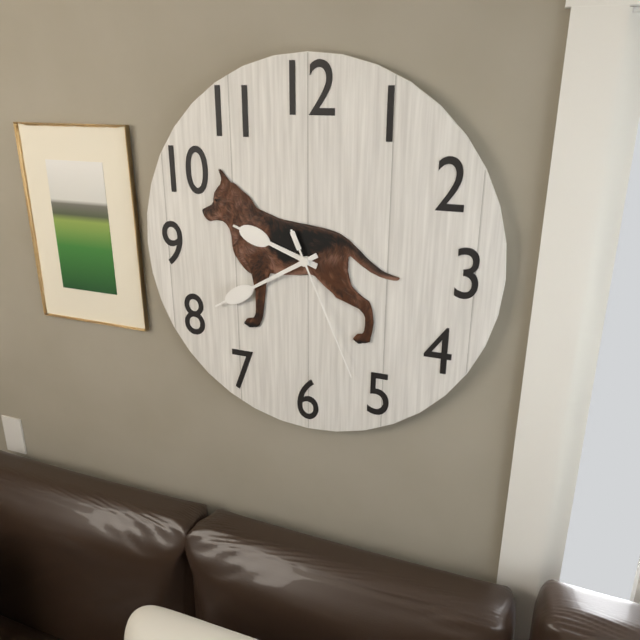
{"hour": 9, "minute": 40, "second": 26}
